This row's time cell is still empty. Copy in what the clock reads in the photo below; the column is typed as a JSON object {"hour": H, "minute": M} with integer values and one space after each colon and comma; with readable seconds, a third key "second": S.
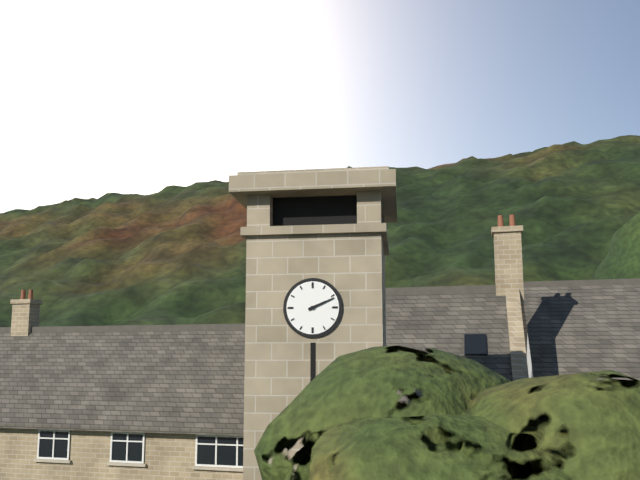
{"hour": 2, "minute": 11}
